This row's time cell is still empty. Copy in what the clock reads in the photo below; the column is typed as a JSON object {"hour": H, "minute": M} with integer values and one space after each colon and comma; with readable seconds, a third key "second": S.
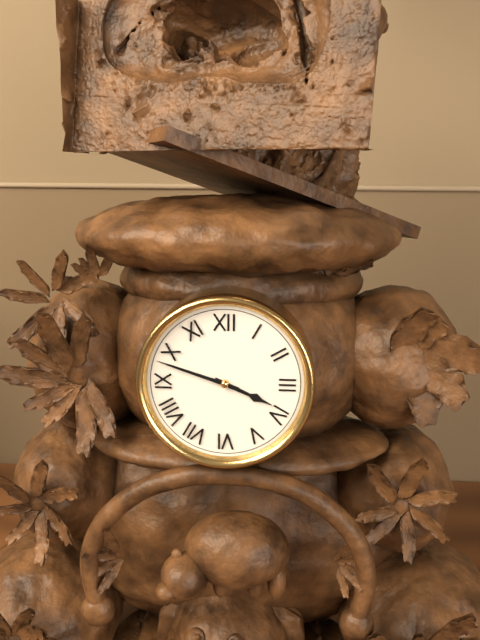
{"hour": 3, "minute": 48}
